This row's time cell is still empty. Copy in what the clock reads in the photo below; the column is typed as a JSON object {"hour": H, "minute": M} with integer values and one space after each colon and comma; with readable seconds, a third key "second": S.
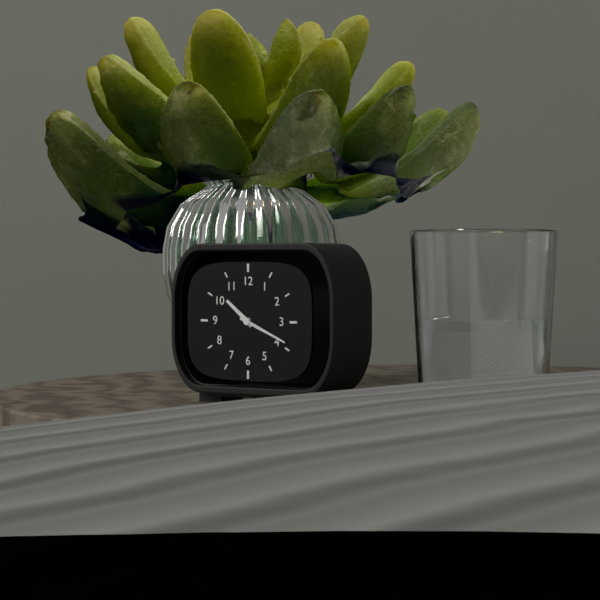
{"hour": 10, "minute": 19}
